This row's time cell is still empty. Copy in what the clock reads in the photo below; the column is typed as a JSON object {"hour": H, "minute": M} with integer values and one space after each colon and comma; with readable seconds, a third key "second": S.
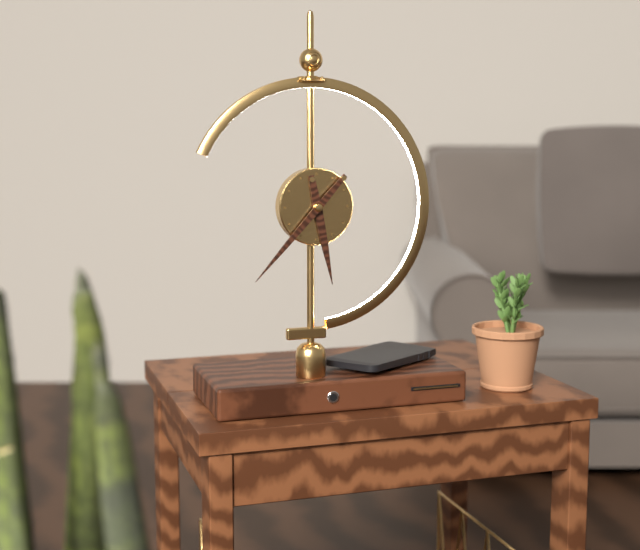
{"hour": 5, "minute": 37}
